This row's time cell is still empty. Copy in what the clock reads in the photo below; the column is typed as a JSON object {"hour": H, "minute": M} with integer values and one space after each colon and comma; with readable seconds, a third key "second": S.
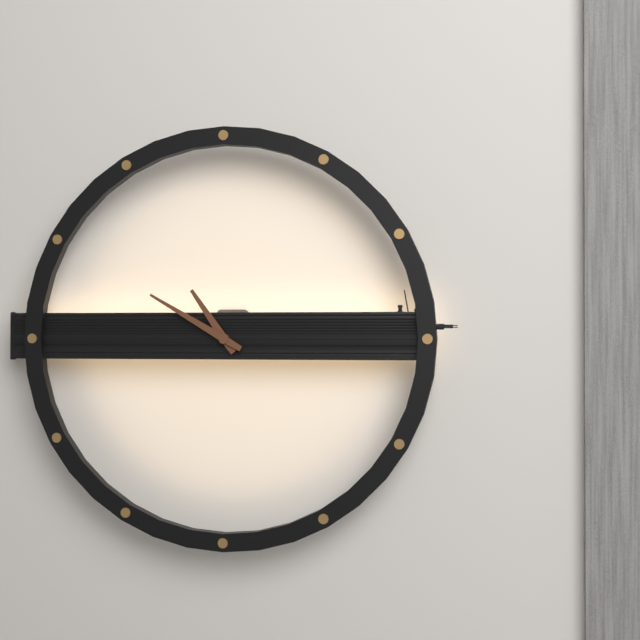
{"hour": 10, "minute": 50}
